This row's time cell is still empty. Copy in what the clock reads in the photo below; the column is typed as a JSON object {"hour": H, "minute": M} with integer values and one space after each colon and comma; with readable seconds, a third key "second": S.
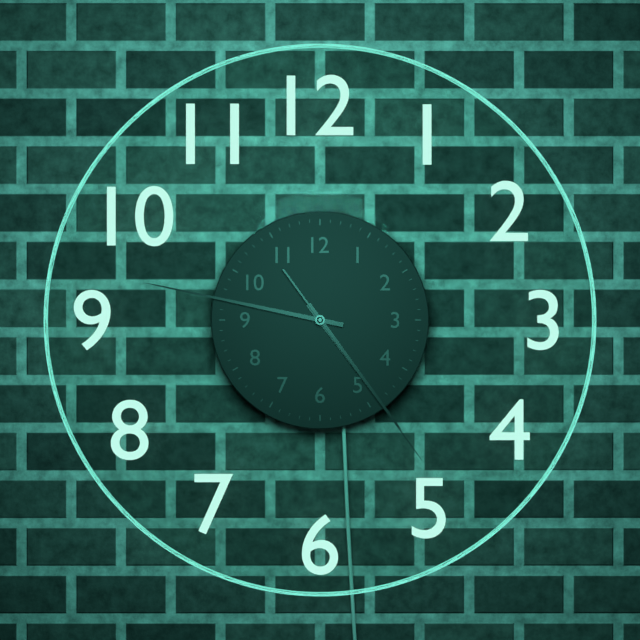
{"hour": 4, "minute": 47, "second": 24}
